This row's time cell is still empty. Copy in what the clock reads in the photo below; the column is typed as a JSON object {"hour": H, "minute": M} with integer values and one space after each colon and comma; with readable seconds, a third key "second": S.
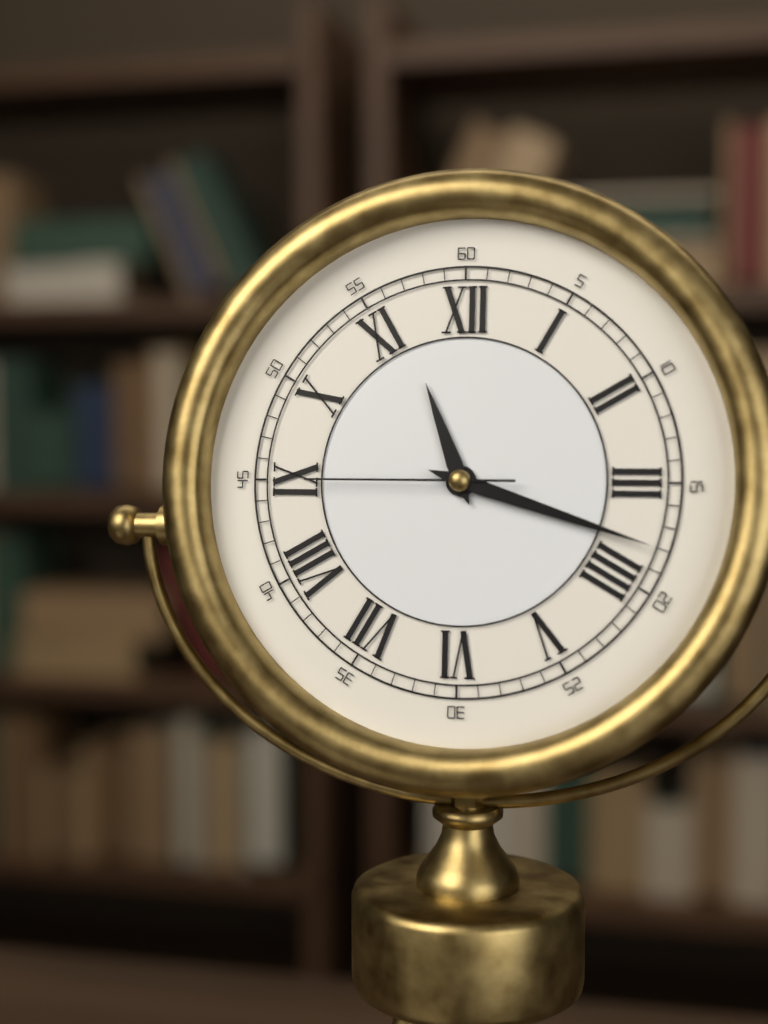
{"hour": 11, "minute": 18, "second": 45}
